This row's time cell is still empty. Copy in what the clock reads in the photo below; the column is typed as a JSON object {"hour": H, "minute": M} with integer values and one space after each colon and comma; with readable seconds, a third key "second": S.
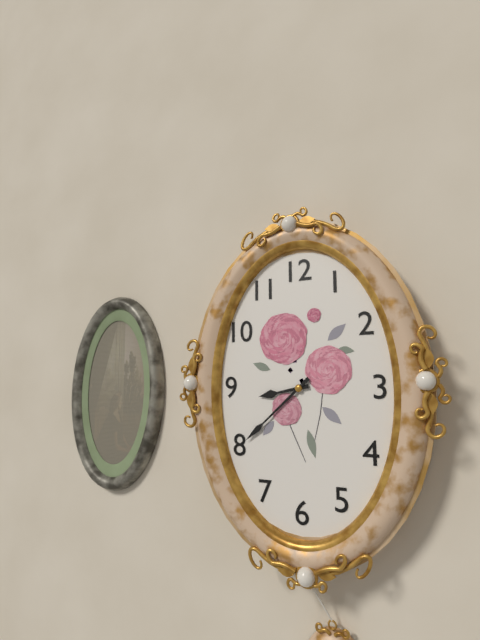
{"hour": 8, "minute": 38}
